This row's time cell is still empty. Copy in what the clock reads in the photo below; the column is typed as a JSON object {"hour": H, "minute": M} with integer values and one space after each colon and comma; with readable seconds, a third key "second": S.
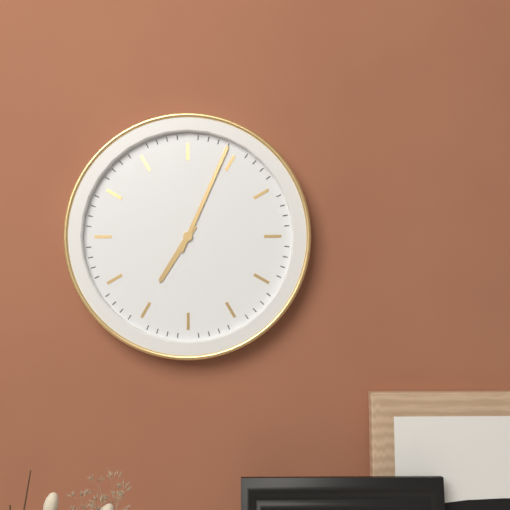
{"hour": 7, "minute": 4}
